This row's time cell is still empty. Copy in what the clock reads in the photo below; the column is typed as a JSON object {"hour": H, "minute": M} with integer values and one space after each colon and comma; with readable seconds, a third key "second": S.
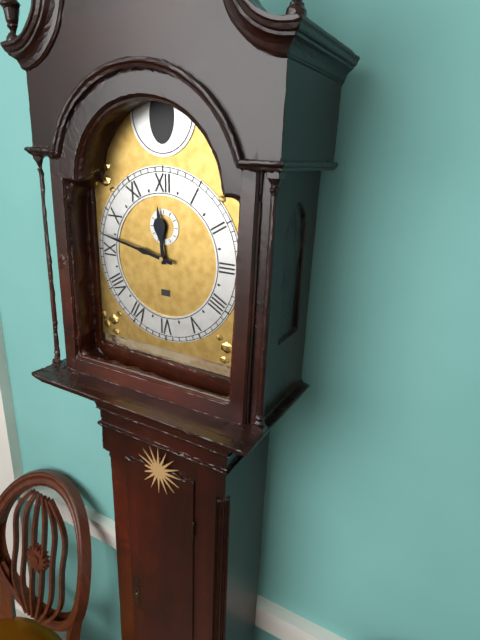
{"hour": 11, "minute": 47}
